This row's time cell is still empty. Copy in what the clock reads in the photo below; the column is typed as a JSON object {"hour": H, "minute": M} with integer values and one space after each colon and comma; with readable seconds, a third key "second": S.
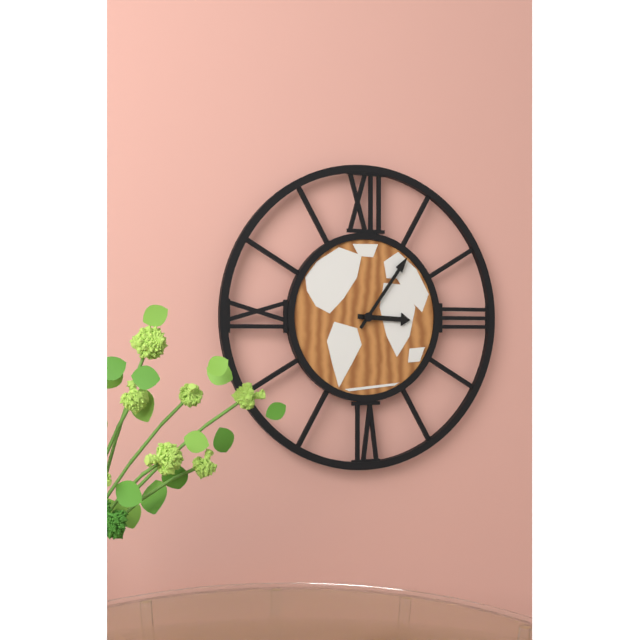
{"hour": 3, "minute": 6}
